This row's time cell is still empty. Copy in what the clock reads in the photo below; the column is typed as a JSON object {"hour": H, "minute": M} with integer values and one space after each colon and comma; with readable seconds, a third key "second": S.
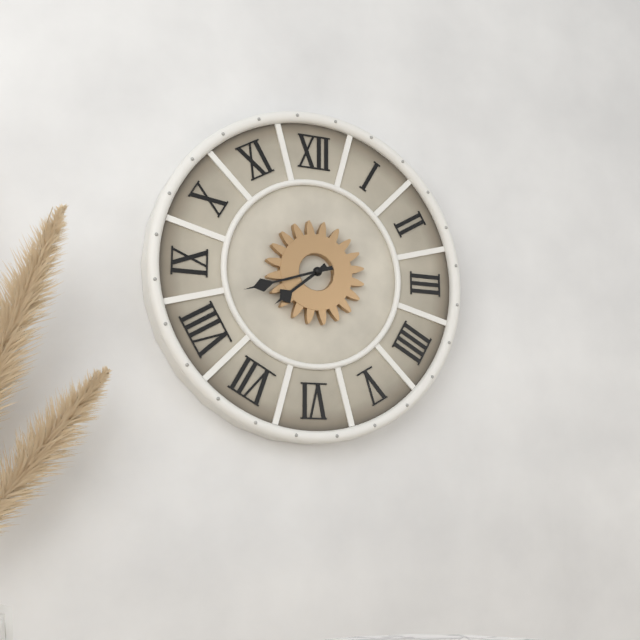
{"hour": 7, "minute": 42}
